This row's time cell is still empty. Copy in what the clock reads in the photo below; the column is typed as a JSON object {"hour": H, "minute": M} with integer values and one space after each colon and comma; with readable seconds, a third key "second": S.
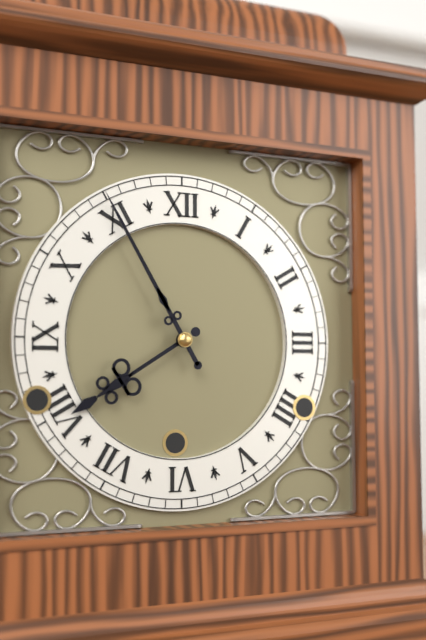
{"hour": 7, "minute": 55}
